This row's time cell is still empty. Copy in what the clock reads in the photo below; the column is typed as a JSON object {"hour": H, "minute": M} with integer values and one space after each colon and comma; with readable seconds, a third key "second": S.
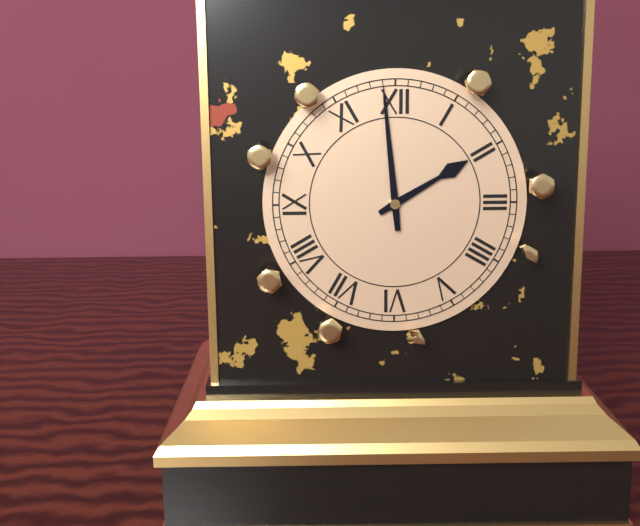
{"hour": 1, "minute": 59}
